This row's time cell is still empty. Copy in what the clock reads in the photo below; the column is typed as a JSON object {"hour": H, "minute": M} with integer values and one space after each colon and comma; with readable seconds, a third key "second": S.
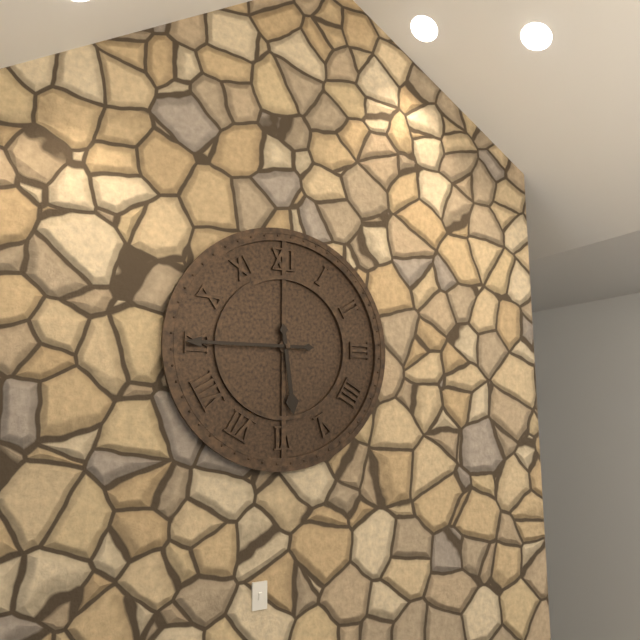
{"hour": 5, "minute": 45}
